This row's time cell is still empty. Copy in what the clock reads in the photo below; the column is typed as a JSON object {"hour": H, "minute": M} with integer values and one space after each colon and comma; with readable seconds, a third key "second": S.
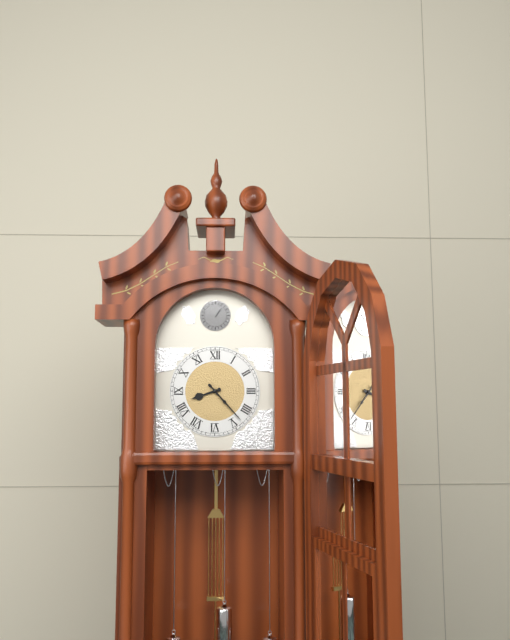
{"hour": 8, "minute": 23}
